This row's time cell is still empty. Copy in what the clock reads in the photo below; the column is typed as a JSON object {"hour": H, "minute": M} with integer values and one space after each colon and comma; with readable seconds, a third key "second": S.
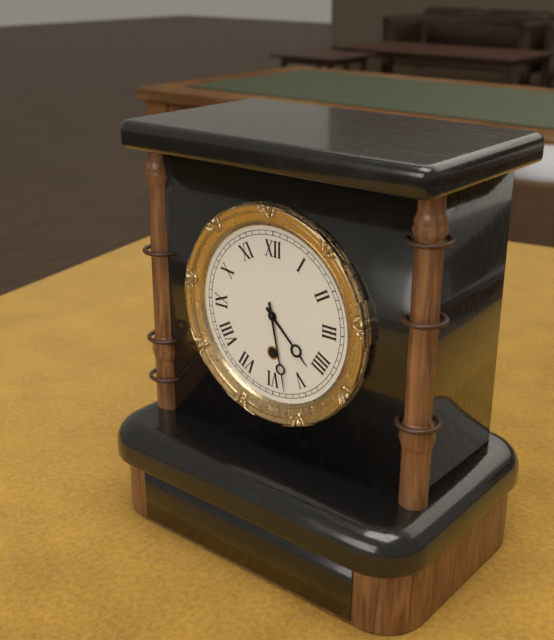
{"hour": 4, "minute": 28}
